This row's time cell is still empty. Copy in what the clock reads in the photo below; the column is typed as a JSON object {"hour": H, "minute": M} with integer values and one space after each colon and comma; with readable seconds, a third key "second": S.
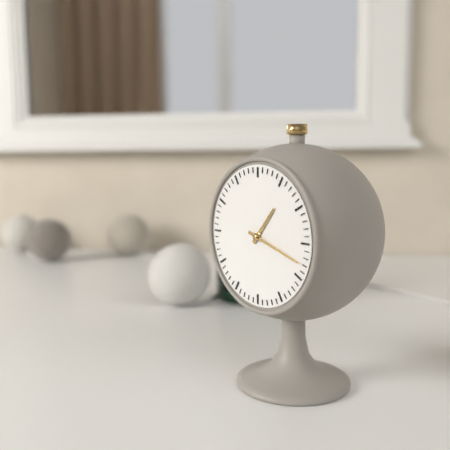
{"hour": 1, "minute": 18}
